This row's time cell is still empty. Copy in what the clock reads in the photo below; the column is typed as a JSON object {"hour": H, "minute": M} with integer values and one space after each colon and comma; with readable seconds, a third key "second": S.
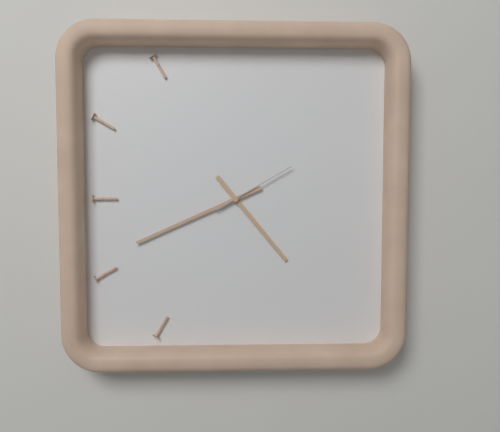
{"hour": 4, "minute": 41, "second": 10}
